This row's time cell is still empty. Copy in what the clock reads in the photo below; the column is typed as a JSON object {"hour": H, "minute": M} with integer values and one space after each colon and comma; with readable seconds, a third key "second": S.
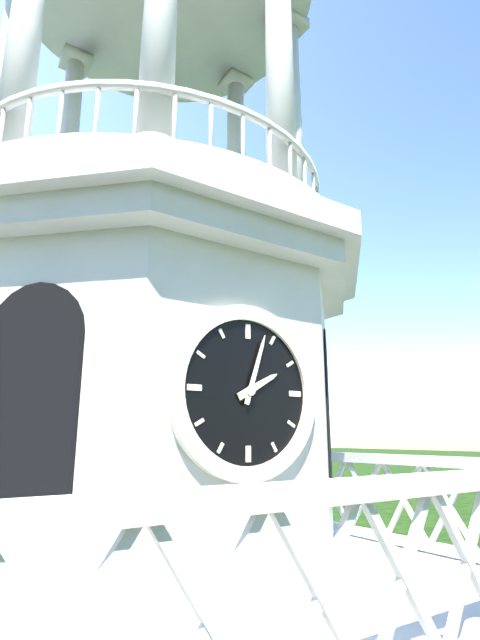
{"hour": 2, "minute": 3}
